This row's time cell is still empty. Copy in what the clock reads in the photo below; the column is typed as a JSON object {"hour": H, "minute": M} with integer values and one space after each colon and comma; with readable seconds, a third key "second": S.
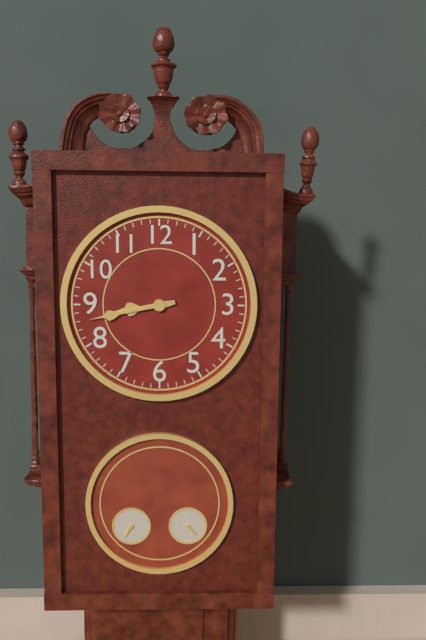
{"hour": 8, "minute": 43}
